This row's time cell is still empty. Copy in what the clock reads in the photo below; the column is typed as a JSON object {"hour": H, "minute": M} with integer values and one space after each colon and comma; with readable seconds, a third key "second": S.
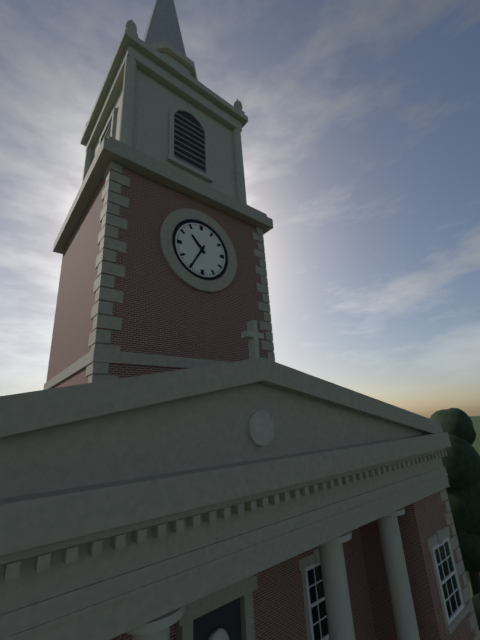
{"hour": 10, "minute": 35}
